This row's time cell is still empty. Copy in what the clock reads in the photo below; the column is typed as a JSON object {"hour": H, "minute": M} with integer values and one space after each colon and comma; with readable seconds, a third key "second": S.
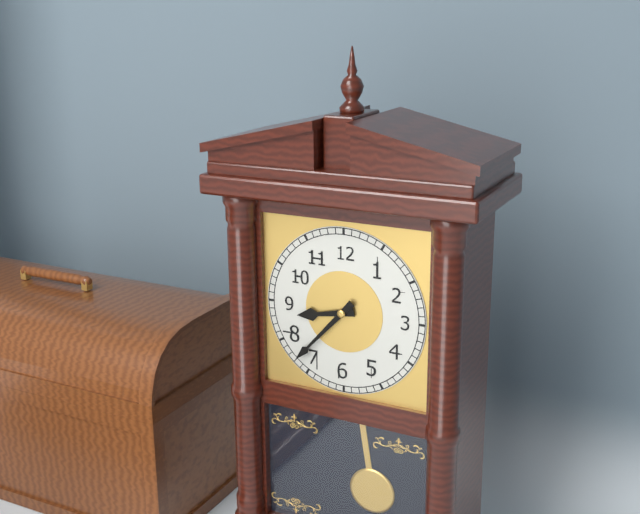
{"hour": 8, "minute": 37}
